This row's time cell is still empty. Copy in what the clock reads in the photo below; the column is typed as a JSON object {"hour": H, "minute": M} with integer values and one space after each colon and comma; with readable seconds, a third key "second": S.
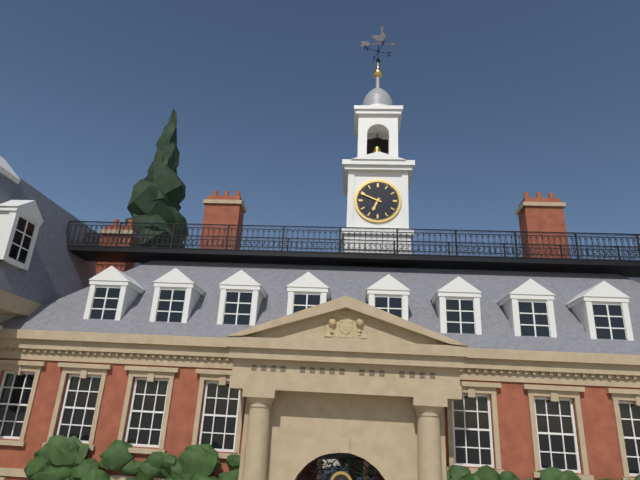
{"hour": 6, "minute": 49}
